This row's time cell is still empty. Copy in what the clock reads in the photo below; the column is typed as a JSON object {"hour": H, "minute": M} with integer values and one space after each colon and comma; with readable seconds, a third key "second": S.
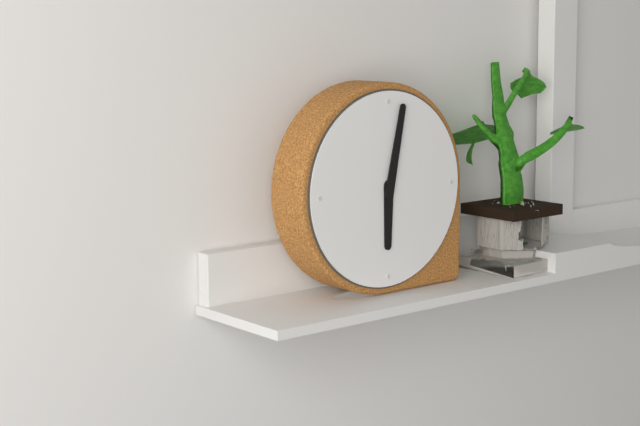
{"hour": 6, "minute": 2}
